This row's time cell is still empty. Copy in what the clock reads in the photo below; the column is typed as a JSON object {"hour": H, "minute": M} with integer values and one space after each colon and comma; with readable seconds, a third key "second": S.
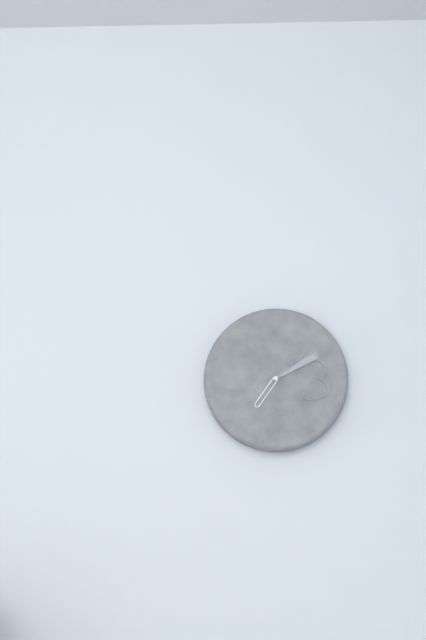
{"hour": 7, "minute": 10}
